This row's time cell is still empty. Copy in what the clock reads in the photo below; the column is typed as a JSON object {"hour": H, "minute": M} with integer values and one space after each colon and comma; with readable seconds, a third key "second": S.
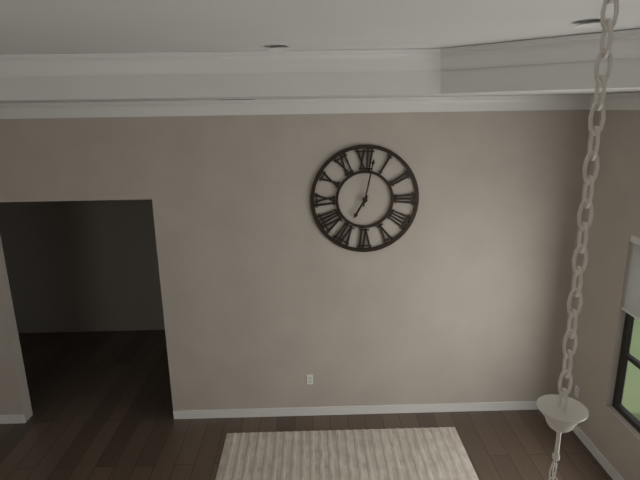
{"hour": 7, "minute": 2}
